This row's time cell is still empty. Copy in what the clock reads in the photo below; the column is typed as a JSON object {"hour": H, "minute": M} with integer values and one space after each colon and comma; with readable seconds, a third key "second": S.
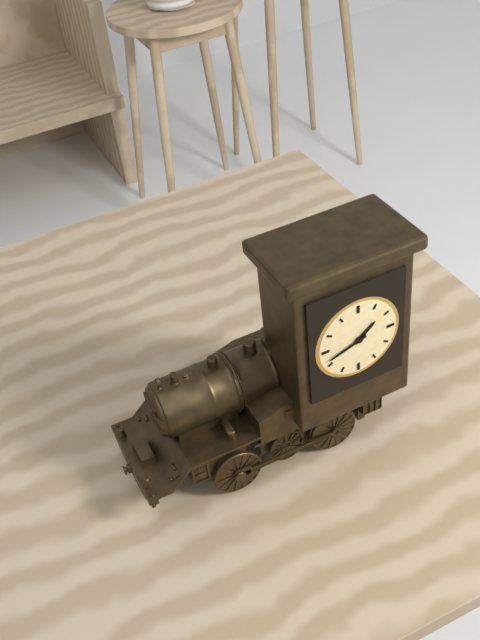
{"hour": 1, "minute": 42}
